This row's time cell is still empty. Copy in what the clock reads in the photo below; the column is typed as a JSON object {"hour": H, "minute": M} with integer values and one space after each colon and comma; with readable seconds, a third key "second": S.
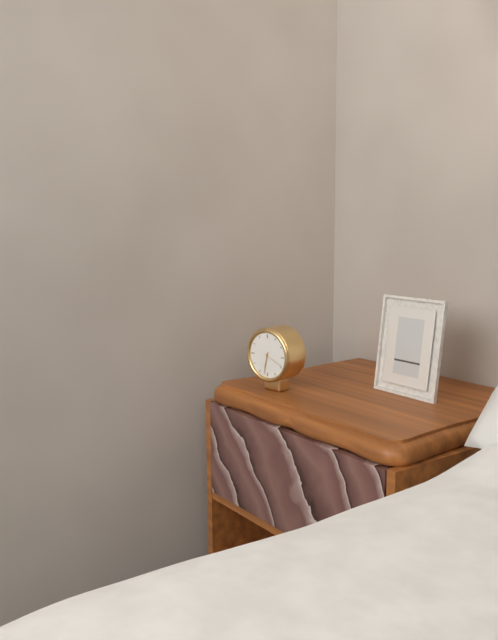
{"hour": 6, "minute": 32}
